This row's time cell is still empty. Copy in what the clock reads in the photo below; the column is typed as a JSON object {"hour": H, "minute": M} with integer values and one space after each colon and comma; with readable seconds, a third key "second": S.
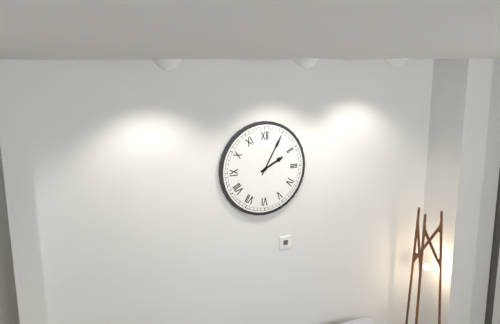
{"hour": 2, "minute": 5}
